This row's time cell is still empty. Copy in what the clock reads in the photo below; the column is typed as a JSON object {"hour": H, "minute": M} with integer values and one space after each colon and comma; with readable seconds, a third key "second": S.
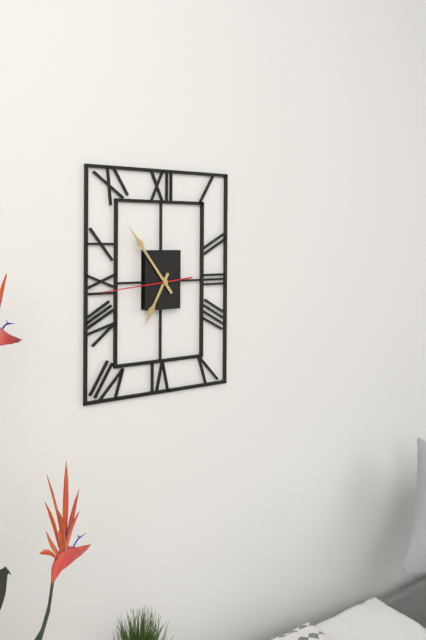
{"hour": 6, "minute": 54, "second": 44}
